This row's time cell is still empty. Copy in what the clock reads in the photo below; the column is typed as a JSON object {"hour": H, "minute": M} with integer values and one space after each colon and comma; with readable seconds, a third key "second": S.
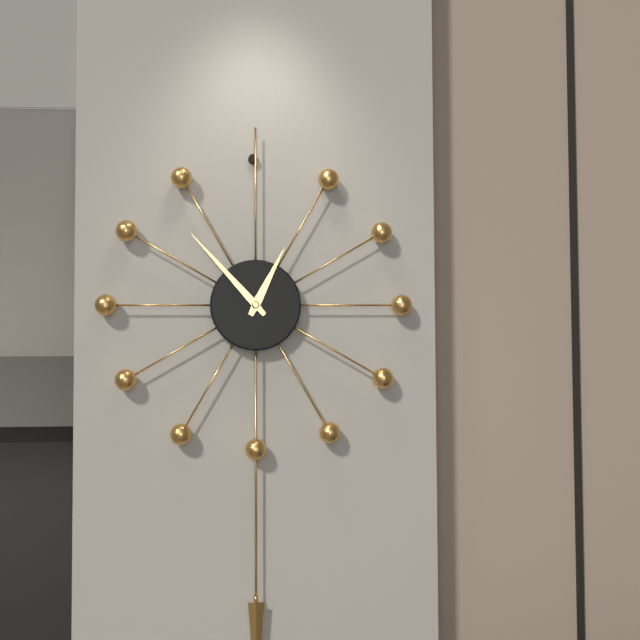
{"hour": 12, "minute": 53}
